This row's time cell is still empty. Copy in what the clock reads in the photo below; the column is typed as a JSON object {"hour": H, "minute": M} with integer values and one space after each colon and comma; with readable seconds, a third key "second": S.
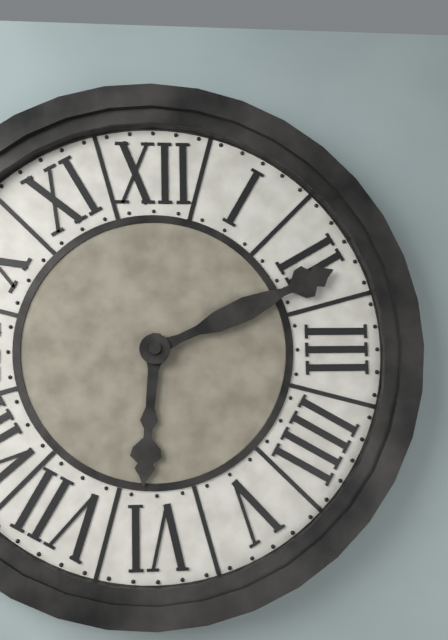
{"hour": 6, "minute": 11}
